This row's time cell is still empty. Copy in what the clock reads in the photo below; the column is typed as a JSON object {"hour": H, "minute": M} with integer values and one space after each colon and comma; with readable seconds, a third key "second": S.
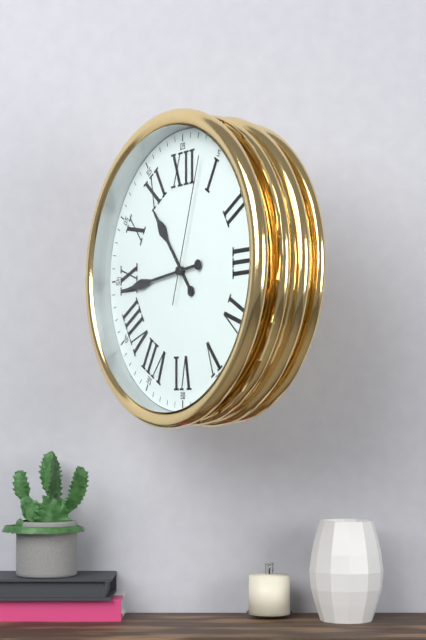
{"hour": 10, "minute": 44, "second": 3}
